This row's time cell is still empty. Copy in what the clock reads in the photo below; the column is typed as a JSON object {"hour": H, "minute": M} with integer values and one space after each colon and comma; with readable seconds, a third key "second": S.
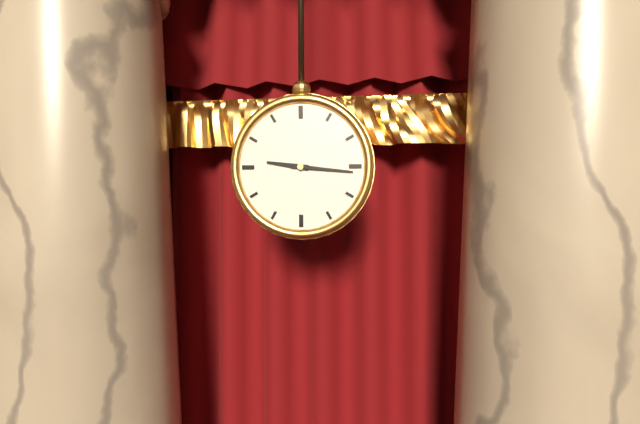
{"hour": 9, "minute": 16}
